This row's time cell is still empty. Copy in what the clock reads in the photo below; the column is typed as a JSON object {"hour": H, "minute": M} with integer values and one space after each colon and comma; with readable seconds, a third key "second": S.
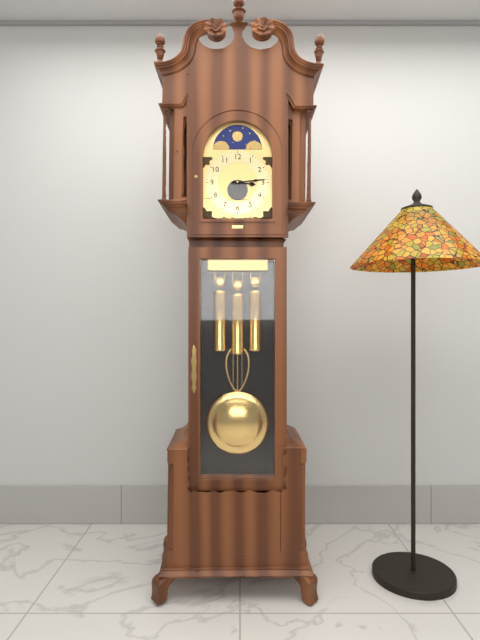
{"hour": 3, "minute": 14}
